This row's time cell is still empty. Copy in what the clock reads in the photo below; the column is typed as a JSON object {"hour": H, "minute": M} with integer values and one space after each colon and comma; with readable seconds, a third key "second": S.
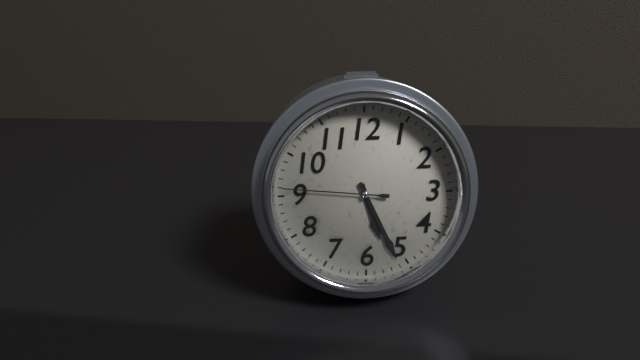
{"hour": 5, "minute": 26, "second": 46}
